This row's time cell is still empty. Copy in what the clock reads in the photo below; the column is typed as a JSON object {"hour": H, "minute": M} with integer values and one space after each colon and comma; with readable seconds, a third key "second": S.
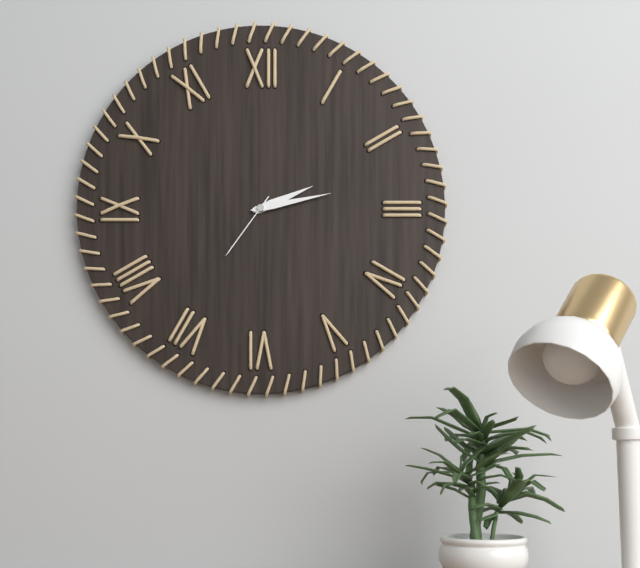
{"hour": 2, "minute": 13, "second": 36}
